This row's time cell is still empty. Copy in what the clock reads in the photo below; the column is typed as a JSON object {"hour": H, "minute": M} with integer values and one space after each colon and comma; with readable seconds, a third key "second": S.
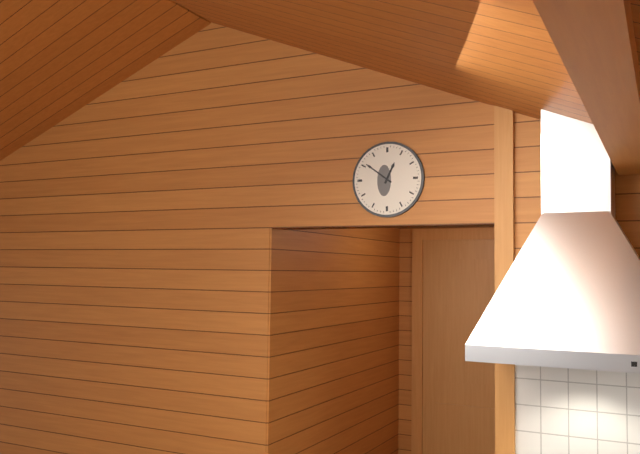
{"hour": 12, "minute": 51}
